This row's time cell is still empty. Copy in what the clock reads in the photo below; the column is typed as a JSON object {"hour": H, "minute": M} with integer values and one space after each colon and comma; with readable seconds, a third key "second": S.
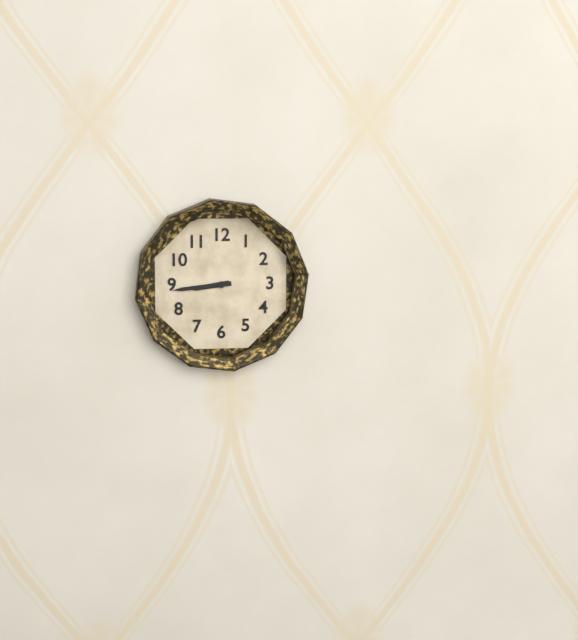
{"hour": 8, "minute": 44}
